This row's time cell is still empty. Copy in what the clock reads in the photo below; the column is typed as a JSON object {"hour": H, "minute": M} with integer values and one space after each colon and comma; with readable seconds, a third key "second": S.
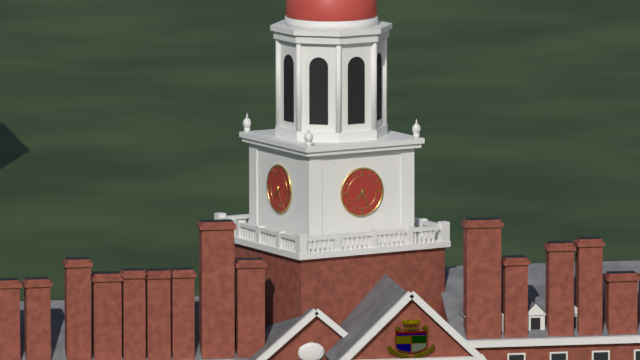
{"hour": 7, "minute": 26}
